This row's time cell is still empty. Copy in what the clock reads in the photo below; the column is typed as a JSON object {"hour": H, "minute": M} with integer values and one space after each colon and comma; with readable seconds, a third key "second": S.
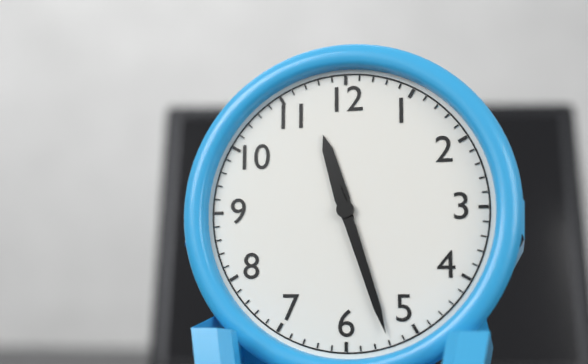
{"hour": 11, "minute": 27}
